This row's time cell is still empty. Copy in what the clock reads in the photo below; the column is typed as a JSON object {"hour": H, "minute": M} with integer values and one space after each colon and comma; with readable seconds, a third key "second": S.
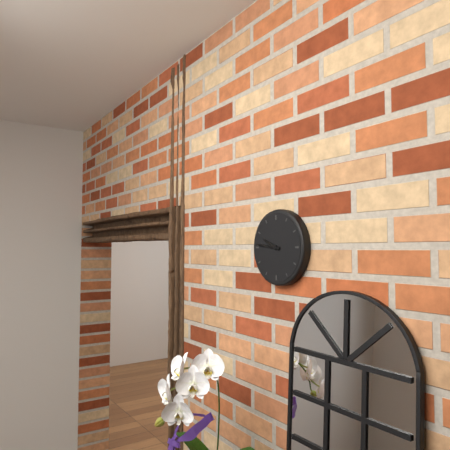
{"hour": 9, "minute": 46}
